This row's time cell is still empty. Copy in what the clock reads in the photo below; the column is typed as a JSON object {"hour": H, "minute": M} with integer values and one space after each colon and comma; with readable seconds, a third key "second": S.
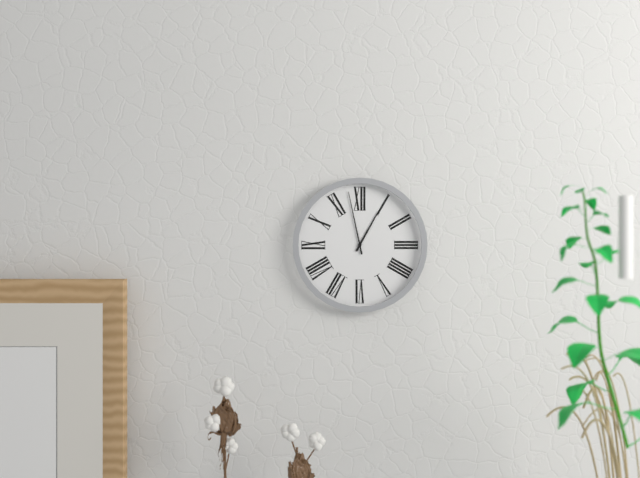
{"hour": 12, "minute": 58}
